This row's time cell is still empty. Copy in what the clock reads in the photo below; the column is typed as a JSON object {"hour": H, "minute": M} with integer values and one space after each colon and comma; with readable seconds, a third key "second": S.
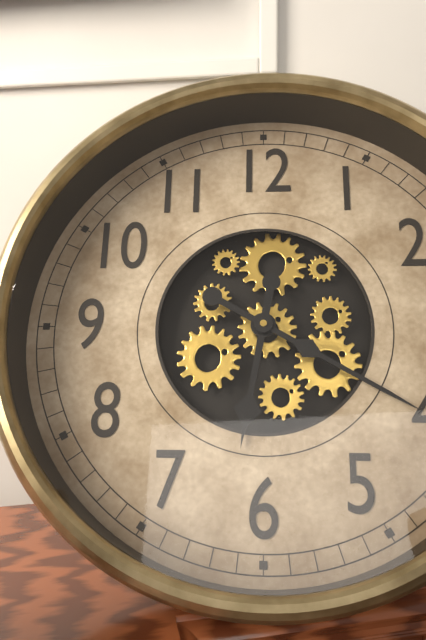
{"hour": 6, "minute": 20}
